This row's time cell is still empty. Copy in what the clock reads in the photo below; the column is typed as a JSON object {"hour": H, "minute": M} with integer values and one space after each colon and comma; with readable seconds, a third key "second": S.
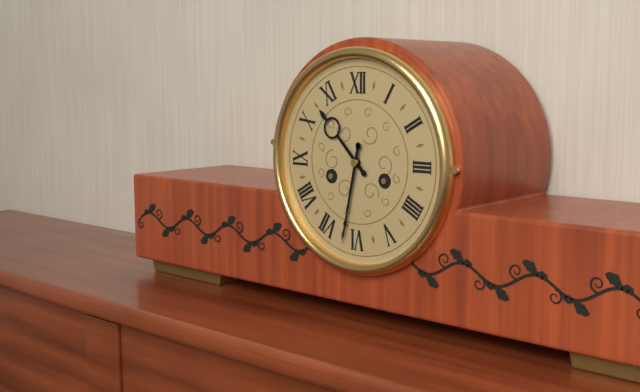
{"hour": 10, "minute": 32}
